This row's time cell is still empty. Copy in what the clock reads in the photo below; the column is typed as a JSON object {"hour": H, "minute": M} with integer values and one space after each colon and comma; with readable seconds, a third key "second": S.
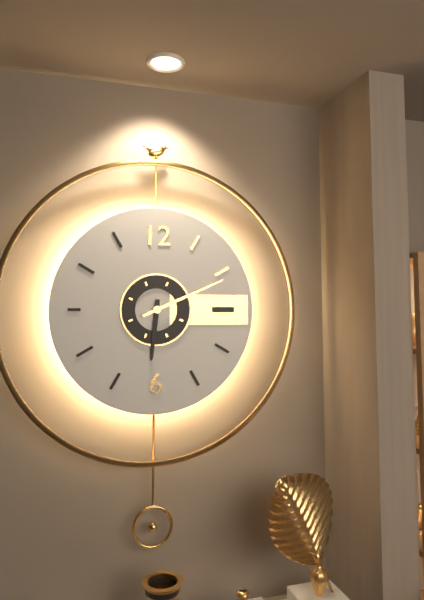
{"hour": 6, "minute": 11}
